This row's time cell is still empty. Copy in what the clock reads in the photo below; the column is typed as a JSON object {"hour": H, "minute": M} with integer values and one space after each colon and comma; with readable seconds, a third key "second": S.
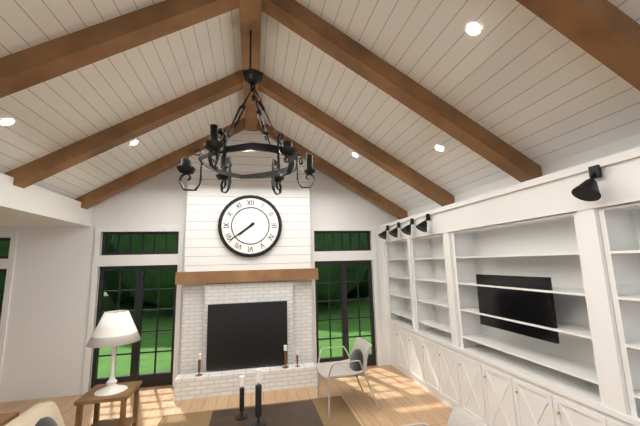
{"hour": 7, "minute": 39}
